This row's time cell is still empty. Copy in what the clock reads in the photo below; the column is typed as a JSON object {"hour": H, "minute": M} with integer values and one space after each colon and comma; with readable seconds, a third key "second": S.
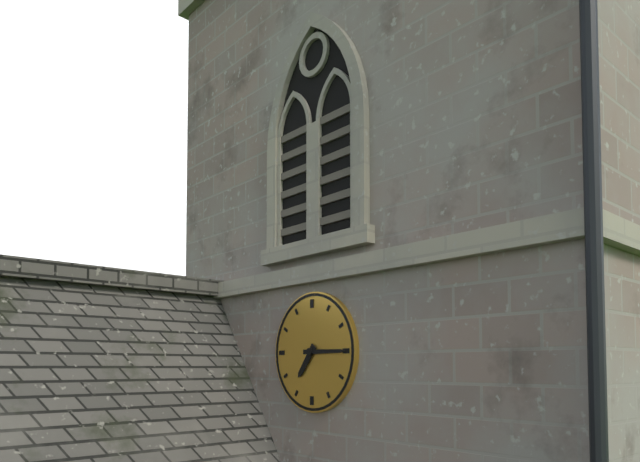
{"hour": 7, "minute": 15}
